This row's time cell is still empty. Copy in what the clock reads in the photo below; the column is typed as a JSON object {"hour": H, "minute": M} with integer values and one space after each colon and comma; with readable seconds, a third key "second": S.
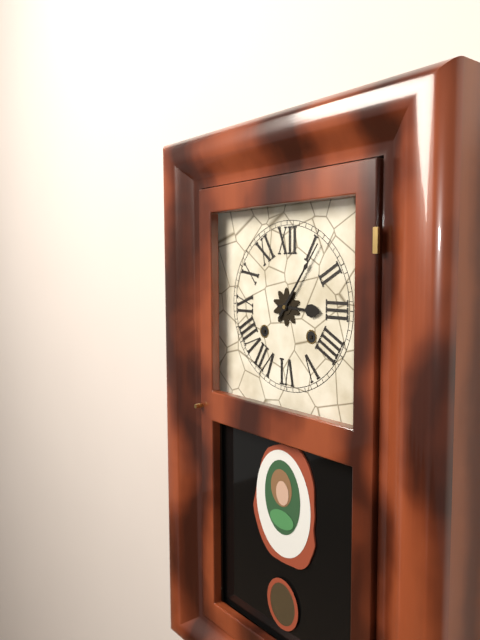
{"hour": 3, "minute": 6}
